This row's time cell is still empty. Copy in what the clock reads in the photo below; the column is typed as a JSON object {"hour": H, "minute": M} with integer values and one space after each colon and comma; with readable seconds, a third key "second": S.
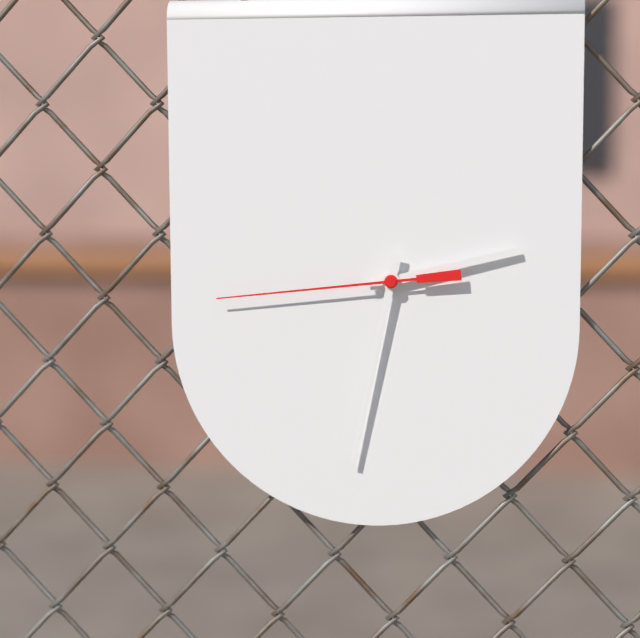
{"hour": 2, "minute": 32, "second": 44}
